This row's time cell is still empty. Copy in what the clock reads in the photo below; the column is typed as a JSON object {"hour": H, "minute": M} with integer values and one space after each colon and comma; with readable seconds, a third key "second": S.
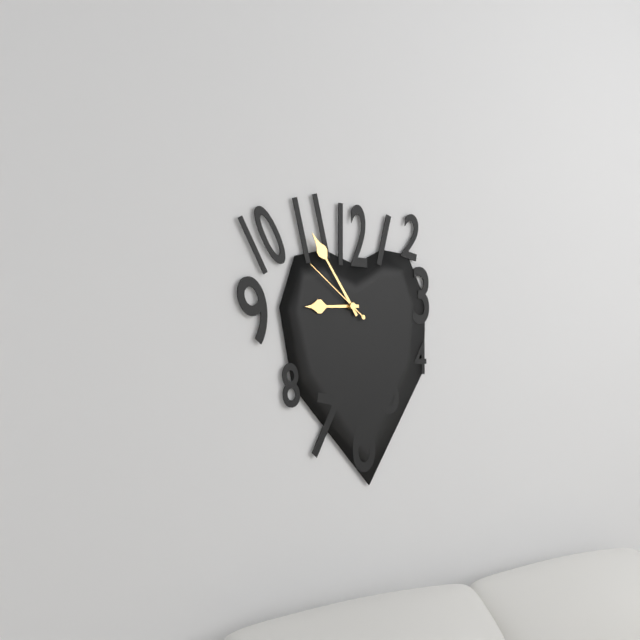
{"hour": 8, "minute": 54, "second": 51}
